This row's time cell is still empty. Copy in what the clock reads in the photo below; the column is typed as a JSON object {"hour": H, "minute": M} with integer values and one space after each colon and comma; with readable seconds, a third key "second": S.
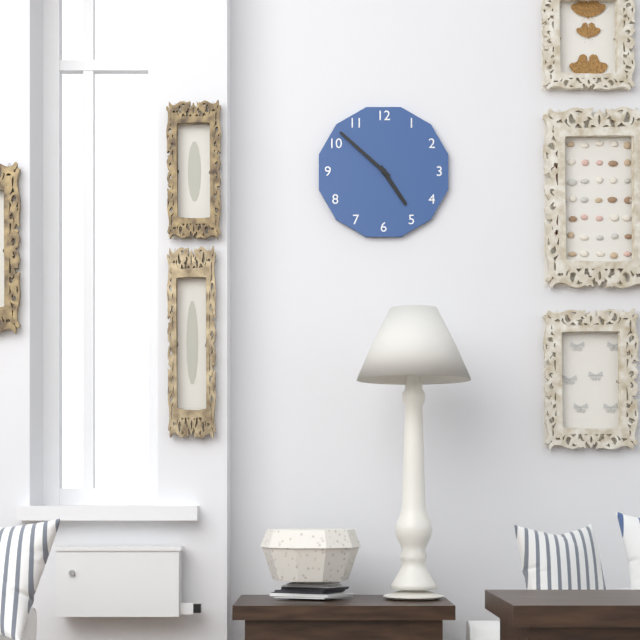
{"hour": 4, "minute": 52}
